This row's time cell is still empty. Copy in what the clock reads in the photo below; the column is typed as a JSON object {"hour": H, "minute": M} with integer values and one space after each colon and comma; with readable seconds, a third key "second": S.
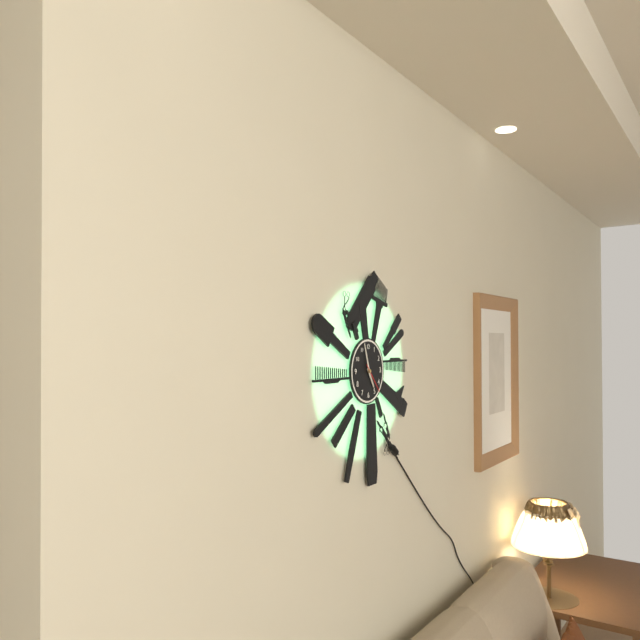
{"hour": 4, "minute": 57}
